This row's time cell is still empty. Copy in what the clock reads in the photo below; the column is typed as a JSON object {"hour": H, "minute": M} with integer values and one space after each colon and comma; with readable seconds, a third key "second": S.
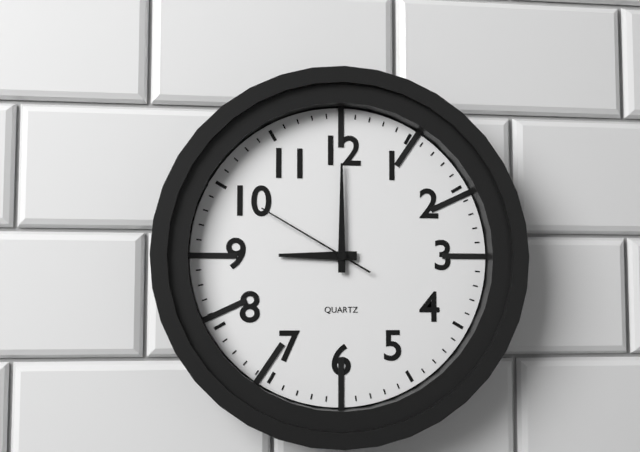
{"hour": 9, "minute": 0, "second": 50}
